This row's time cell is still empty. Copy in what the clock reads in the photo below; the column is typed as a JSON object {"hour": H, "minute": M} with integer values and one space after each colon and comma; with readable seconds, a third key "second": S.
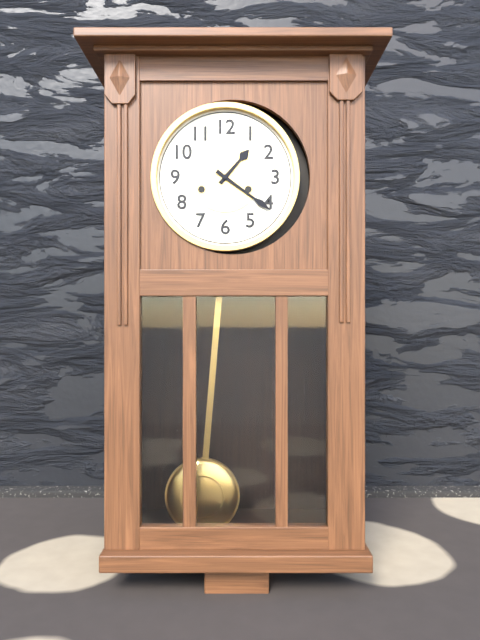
{"hour": 1, "minute": 21}
